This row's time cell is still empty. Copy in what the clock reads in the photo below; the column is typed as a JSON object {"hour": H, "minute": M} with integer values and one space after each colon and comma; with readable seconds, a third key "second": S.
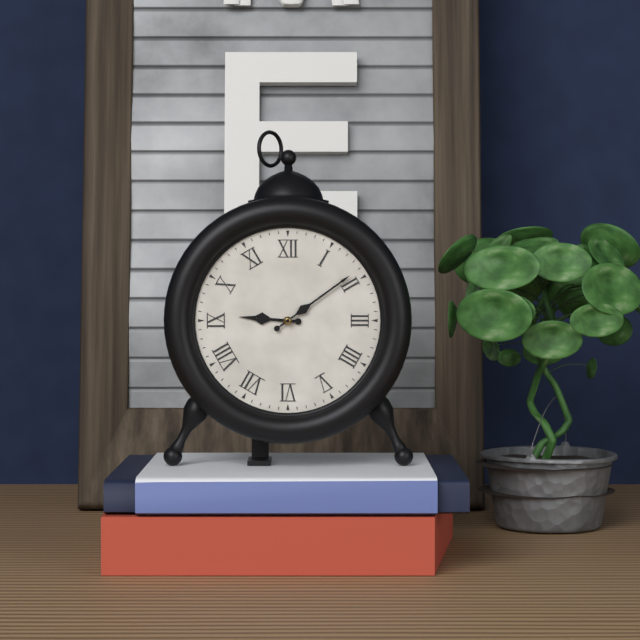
{"hour": 9, "minute": 9}
